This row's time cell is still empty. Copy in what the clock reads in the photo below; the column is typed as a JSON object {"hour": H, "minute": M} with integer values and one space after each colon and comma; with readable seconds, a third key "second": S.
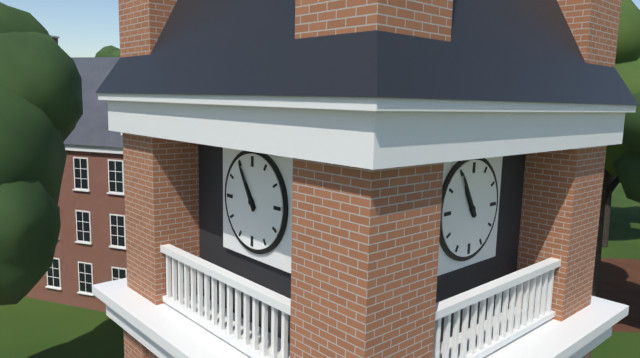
{"hour": 10, "minute": 55}
